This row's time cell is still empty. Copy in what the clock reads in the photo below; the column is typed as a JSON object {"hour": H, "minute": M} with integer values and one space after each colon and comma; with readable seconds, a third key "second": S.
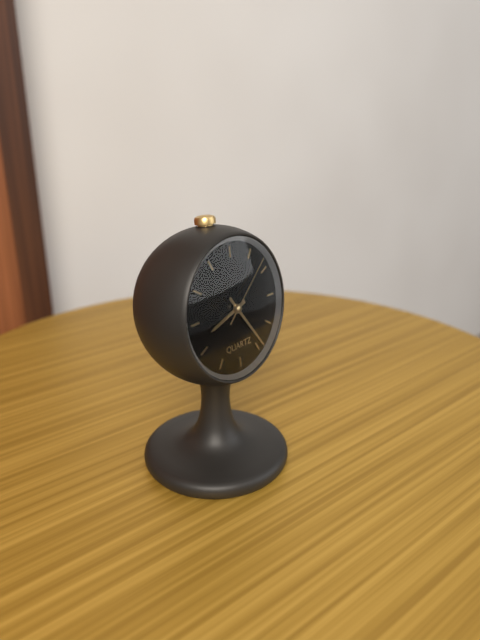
{"hour": 8, "minute": 24, "second": 8}
